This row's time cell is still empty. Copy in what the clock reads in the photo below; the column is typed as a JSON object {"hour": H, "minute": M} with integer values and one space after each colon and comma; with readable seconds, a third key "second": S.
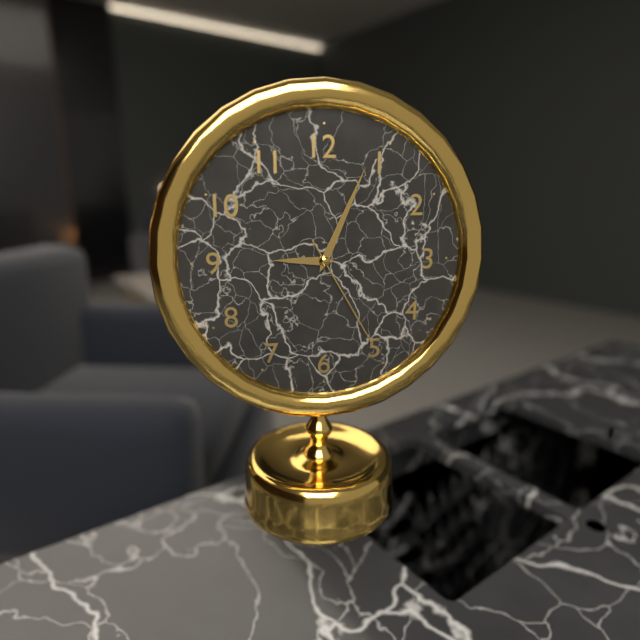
{"hour": 9, "minute": 4, "second": 25}
